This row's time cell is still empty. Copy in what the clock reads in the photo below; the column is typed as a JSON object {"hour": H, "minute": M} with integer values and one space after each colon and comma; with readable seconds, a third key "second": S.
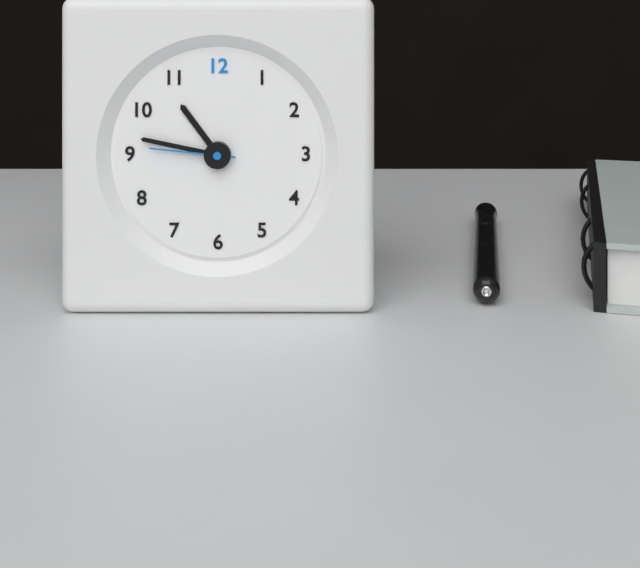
{"hour": 10, "minute": 47, "second": 46}
